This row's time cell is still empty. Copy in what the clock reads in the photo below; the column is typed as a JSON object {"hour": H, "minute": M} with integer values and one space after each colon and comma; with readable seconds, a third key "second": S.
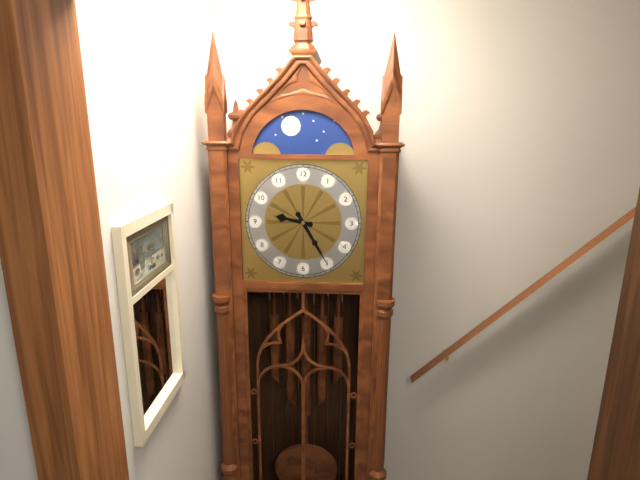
{"hour": 9, "minute": 25}
